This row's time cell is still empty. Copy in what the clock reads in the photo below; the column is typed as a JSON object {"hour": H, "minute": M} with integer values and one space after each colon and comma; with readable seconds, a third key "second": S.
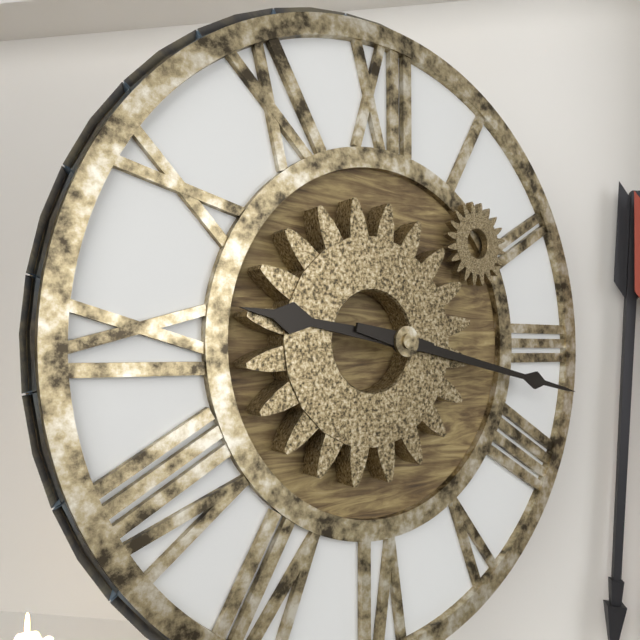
{"hour": 9, "minute": 17}
